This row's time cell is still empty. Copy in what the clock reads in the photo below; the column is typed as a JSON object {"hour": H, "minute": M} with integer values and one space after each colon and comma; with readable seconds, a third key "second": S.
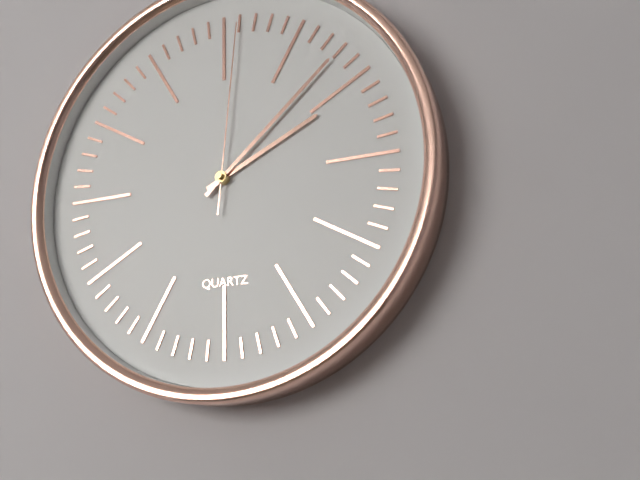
{"hour": 2, "minute": 8, "second": 1}
